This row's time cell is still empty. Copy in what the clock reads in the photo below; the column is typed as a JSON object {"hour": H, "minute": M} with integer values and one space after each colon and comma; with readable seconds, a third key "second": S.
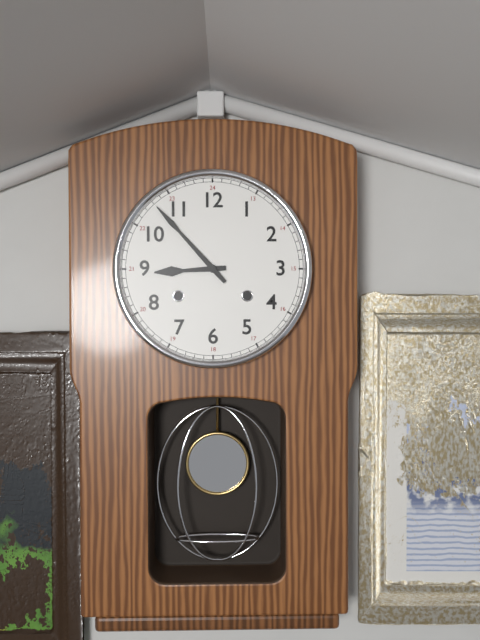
{"hour": 8, "minute": 53}
